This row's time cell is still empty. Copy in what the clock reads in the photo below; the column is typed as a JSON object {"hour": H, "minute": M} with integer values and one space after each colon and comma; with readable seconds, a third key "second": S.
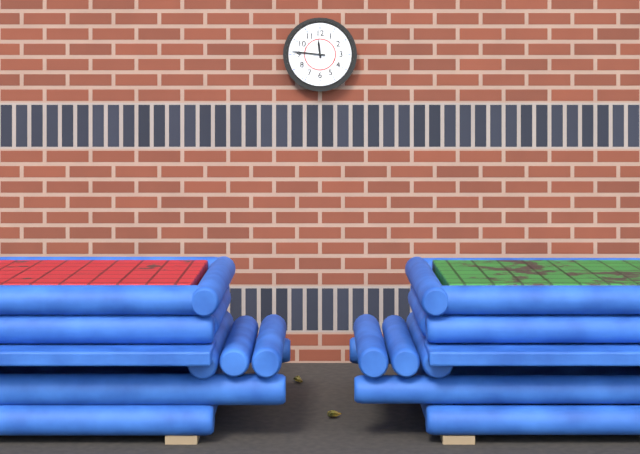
{"hour": 11, "minute": 46}
